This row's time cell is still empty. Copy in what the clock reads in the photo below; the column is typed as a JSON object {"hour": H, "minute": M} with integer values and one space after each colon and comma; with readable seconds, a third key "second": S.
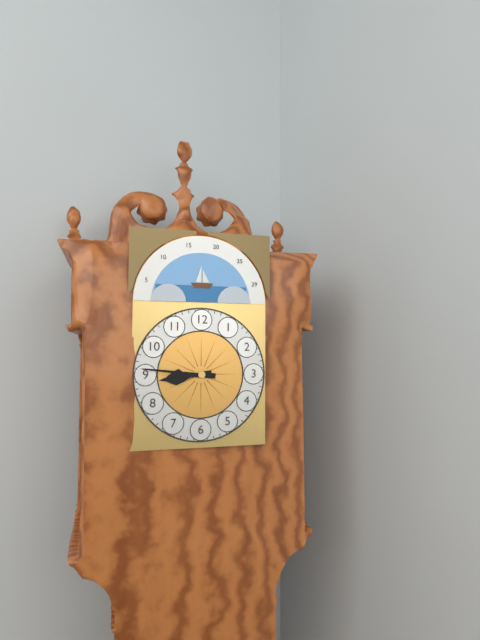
{"hour": 8, "minute": 46}
